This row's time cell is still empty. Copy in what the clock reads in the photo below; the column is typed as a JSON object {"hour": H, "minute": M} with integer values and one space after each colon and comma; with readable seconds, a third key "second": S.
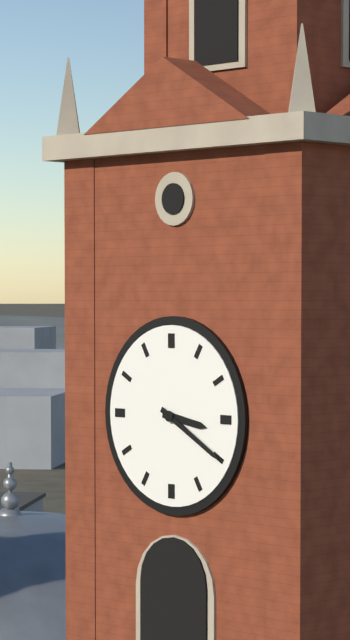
{"hour": 3, "minute": 20}
